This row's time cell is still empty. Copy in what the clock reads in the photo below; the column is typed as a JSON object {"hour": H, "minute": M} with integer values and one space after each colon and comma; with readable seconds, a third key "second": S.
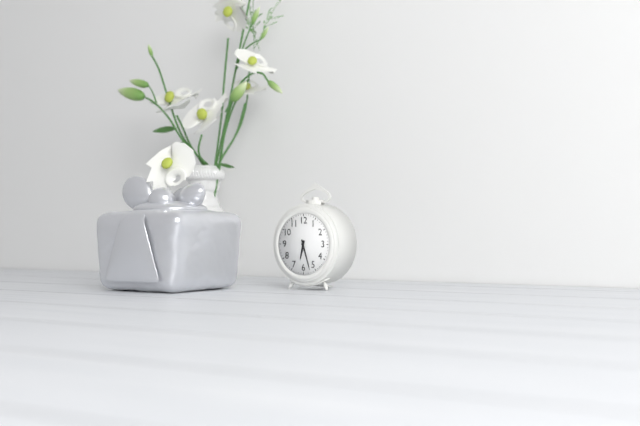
{"hour": 6, "minute": 27}
